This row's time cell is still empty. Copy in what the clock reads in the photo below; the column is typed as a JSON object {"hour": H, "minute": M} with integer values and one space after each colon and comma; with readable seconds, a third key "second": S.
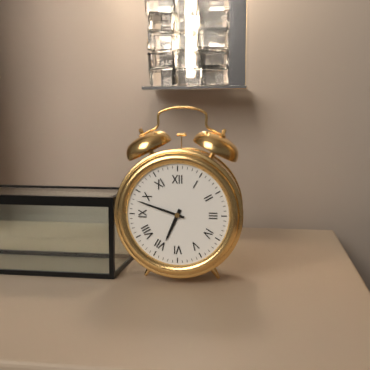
{"hour": 6, "minute": 48}
